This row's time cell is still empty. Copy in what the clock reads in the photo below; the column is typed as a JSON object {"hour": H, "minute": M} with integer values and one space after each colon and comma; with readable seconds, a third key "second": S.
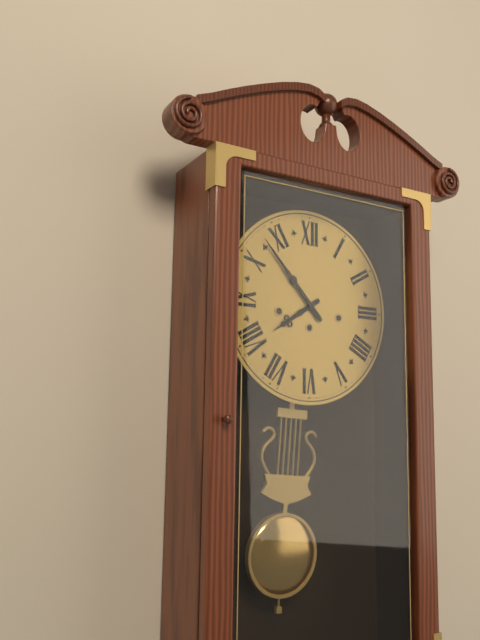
{"hour": 7, "minute": 53}
